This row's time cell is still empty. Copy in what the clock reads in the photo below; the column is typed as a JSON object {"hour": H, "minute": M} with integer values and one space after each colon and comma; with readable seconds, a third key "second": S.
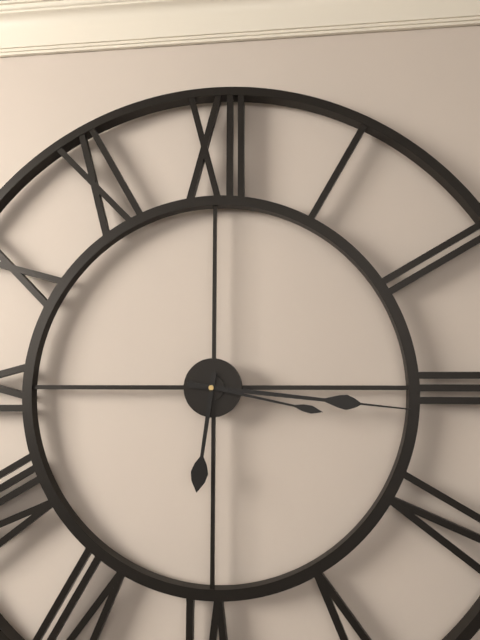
{"hour": 6, "minute": 16, "second": 17}
